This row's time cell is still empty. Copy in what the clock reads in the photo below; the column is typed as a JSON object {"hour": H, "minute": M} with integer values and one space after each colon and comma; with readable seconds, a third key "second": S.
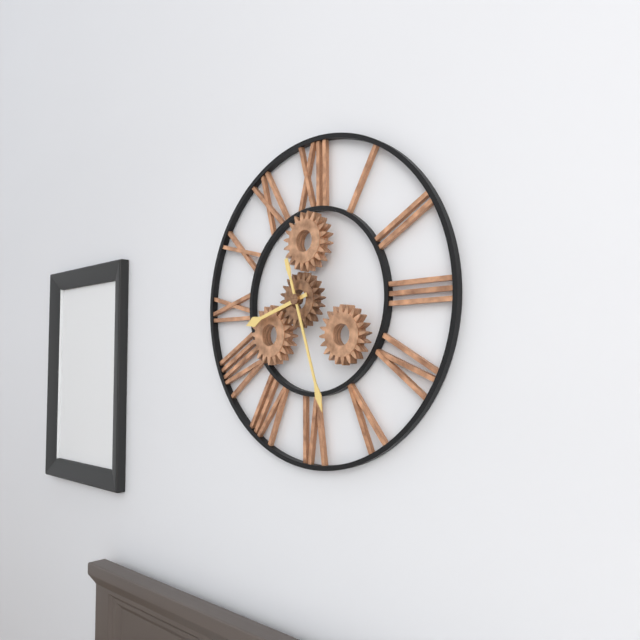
{"hour": 8, "minute": 27}
